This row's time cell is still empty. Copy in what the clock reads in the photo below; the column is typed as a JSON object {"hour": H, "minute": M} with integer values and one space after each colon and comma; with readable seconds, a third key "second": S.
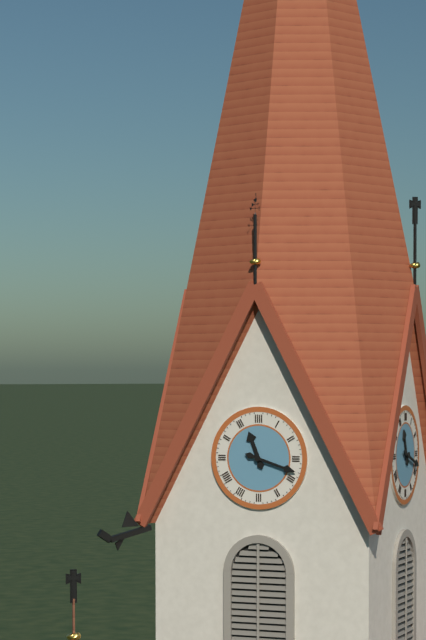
{"hour": 11, "minute": 18}
